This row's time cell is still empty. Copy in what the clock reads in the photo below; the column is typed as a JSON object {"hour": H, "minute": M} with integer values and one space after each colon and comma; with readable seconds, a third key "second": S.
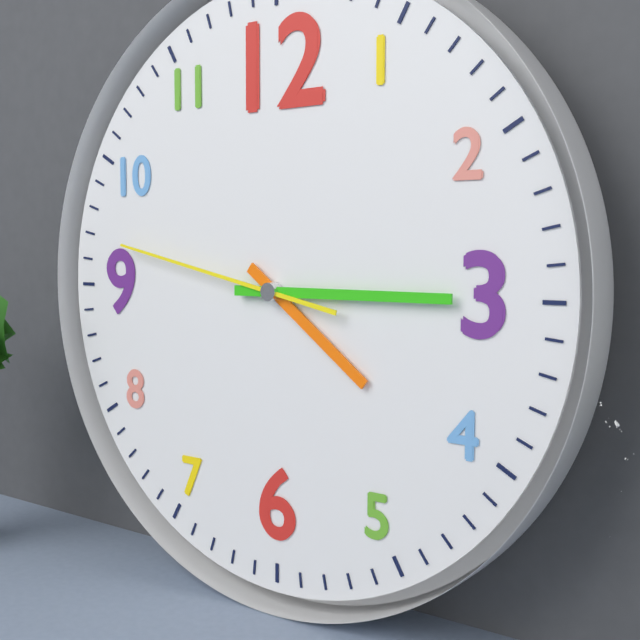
{"hour": 4, "minute": 15, "second": 47}
